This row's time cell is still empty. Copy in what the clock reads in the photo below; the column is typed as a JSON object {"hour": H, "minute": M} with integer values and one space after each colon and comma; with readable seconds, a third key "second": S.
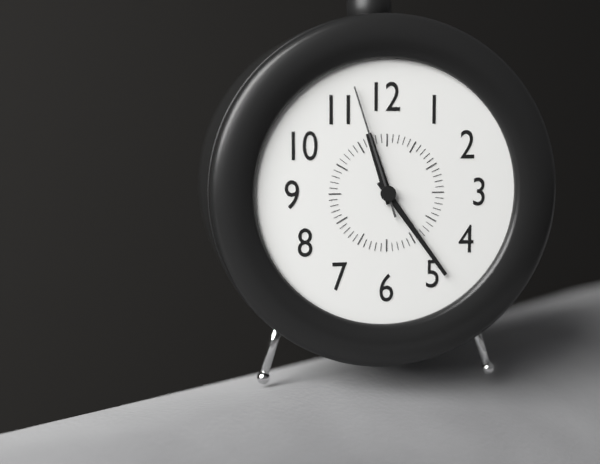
{"hour": 11, "minute": 24, "second": 57}
